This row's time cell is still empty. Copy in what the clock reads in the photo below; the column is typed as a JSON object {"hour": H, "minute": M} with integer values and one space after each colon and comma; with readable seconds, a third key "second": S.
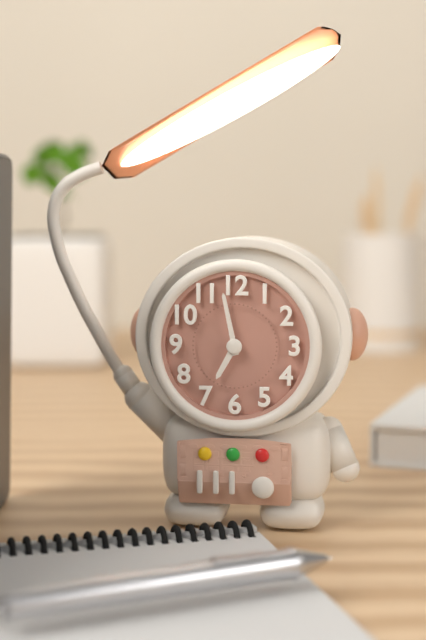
{"hour": 6, "minute": 58}
